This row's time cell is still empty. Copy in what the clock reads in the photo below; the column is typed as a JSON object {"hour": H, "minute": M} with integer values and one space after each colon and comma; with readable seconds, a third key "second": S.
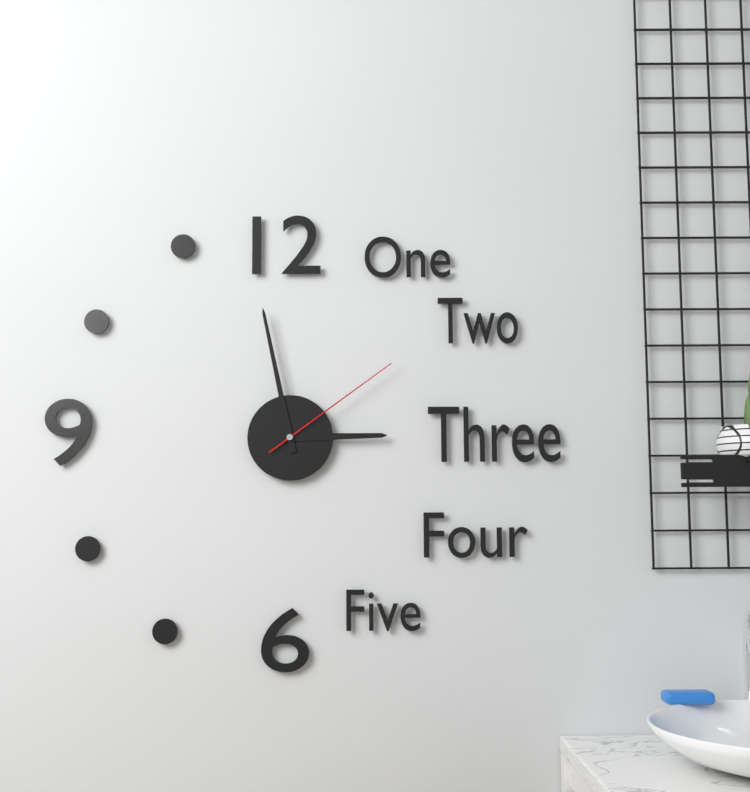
{"hour": 2, "minute": 58, "second": 9}
